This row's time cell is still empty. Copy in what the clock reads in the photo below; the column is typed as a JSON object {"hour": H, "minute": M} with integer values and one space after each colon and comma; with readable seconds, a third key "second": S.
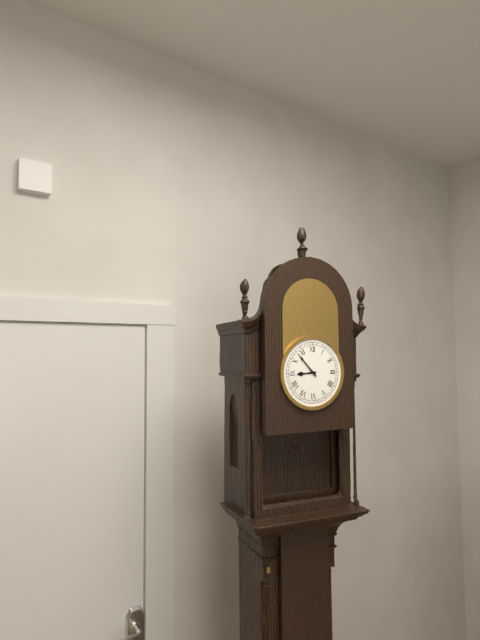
{"hour": 8, "minute": 53}
